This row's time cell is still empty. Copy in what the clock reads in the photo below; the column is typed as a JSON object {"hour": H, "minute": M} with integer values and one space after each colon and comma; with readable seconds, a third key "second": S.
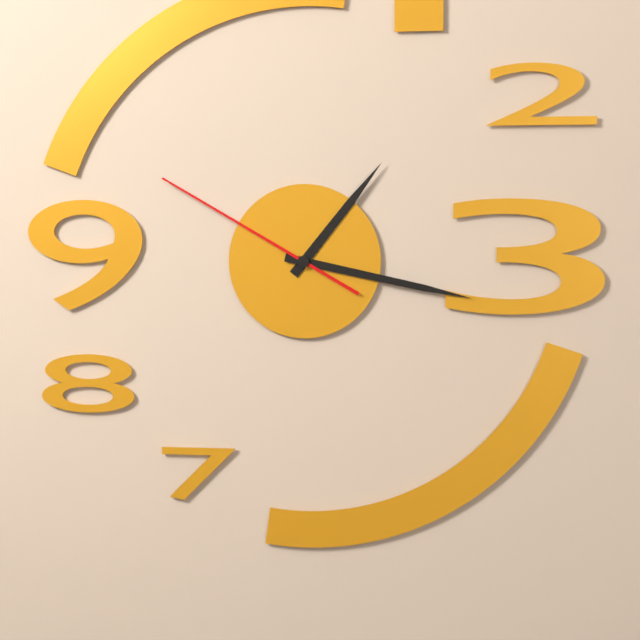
{"hour": 1, "minute": 17, "second": 50}
